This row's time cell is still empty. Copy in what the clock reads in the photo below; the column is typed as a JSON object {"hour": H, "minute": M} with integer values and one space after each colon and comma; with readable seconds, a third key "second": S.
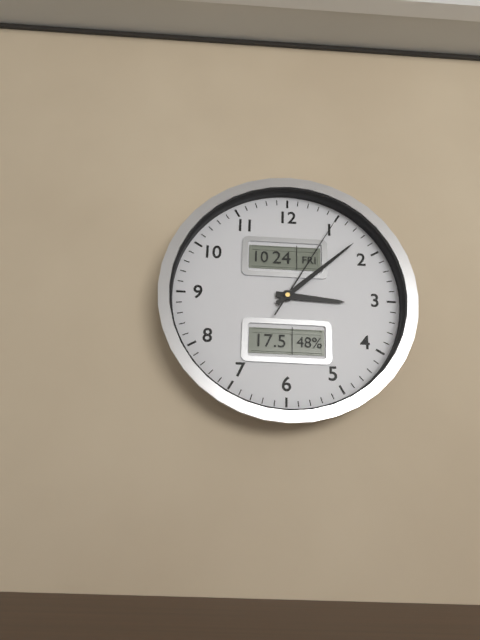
{"hour": 3, "minute": 8, "second": 5}
